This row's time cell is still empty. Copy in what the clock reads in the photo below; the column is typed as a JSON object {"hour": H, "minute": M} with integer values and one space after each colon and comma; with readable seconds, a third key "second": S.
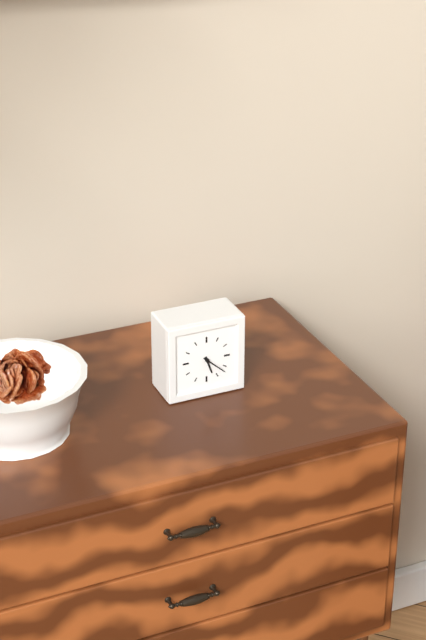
{"hour": 5, "minute": 22}
